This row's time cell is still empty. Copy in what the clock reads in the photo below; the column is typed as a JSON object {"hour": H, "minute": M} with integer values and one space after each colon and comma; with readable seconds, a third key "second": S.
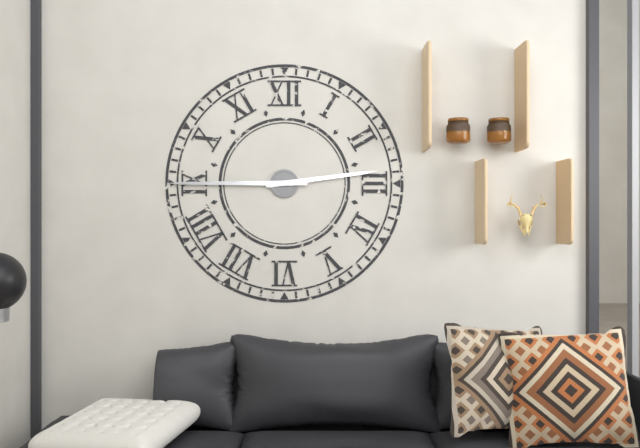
{"hour": 2, "minute": 45}
